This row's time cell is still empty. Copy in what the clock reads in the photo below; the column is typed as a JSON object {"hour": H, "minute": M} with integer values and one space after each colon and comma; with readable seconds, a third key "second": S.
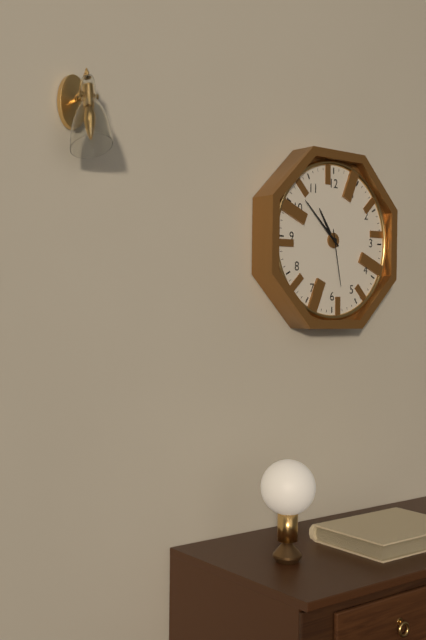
{"hour": 10, "minute": 52, "second": 28}
